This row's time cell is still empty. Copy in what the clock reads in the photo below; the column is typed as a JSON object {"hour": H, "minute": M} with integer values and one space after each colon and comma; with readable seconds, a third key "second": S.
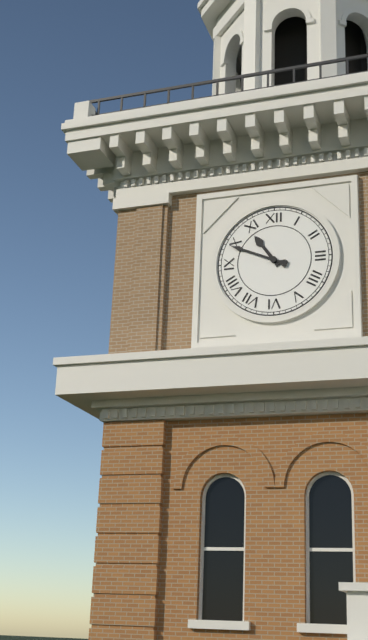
{"hour": 10, "minute": 49}
